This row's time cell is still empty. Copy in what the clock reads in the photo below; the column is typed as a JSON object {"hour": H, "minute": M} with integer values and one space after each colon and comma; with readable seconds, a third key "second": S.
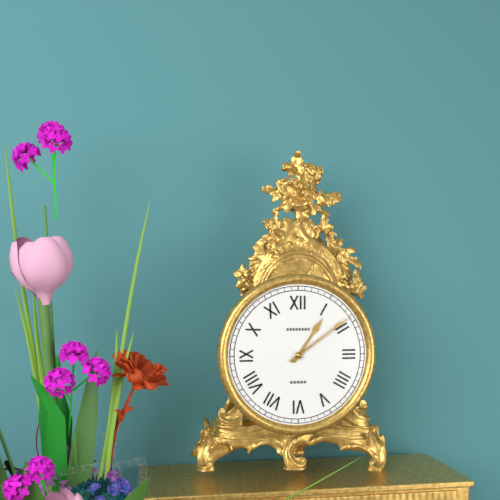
{"hour": 1, "minute": 9}
